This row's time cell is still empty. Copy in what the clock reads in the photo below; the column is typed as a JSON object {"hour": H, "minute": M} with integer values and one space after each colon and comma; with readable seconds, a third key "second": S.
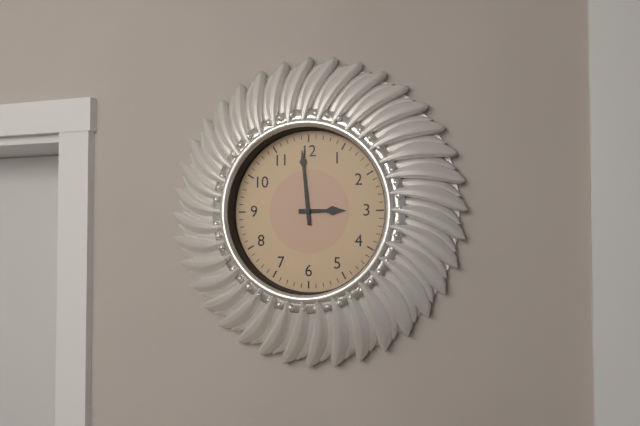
{"hour": 2, "minute": 59}
